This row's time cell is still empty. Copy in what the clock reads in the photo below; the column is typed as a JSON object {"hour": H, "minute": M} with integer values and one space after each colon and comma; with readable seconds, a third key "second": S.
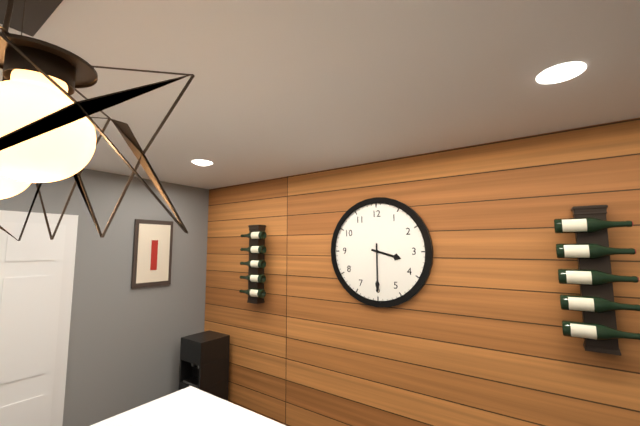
{"hour": 3, "minute": 30}
